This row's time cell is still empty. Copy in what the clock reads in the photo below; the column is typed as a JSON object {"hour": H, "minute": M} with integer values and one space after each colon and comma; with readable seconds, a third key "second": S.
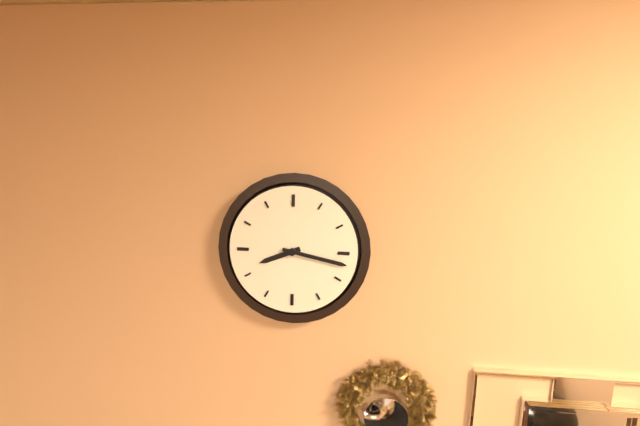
{"hour": 8, "minute": 17}
